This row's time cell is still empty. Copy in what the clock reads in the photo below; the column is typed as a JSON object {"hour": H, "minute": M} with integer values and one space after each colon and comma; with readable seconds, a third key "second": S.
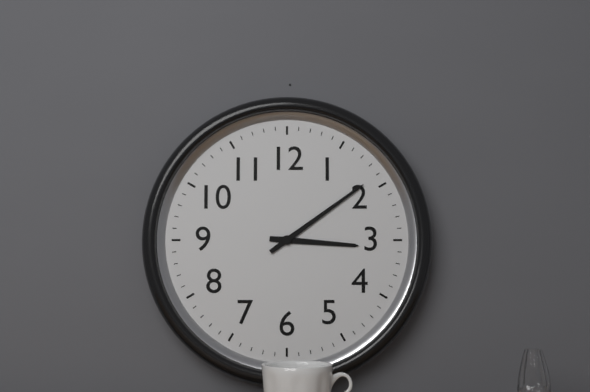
{"hour": 3, "minute": 9}
